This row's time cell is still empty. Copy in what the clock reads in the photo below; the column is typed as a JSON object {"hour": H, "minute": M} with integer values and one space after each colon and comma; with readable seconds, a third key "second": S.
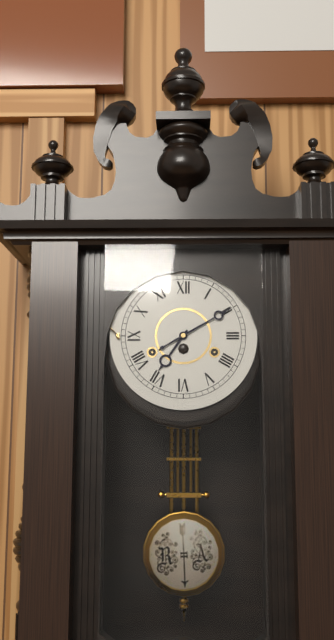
{"hour": 7, "minute": 10}
